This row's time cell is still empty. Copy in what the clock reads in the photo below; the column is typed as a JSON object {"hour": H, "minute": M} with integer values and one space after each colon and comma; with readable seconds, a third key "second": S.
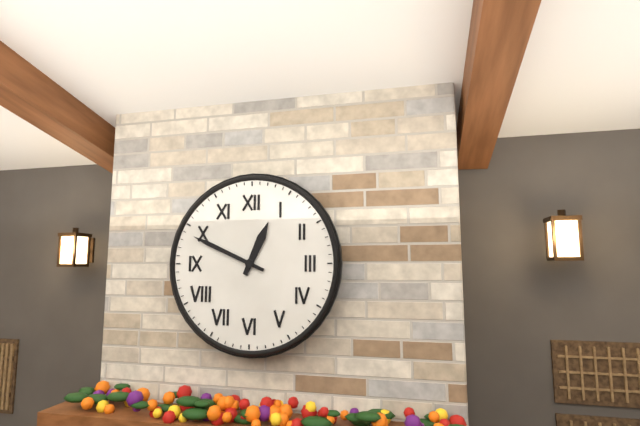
{"hour": 12, "minute": 49}
